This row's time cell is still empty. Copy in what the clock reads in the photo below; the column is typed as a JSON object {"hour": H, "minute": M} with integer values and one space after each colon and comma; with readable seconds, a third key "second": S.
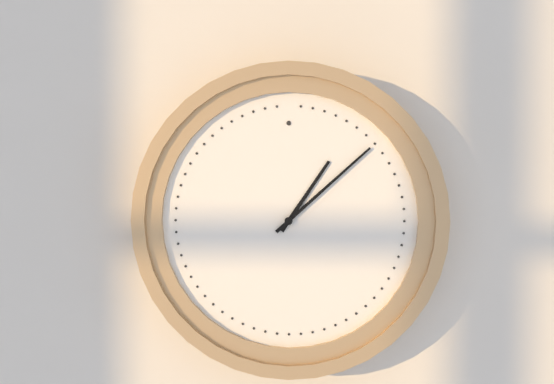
{"hour": 1, "minute": 8}
